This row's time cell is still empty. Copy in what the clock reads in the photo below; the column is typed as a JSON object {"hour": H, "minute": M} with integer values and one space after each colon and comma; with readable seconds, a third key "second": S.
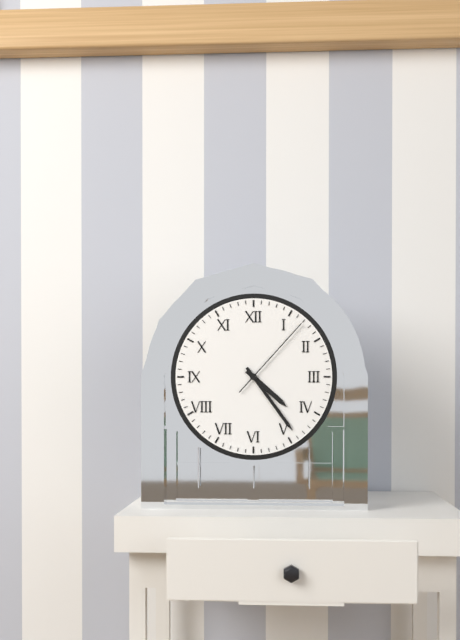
{"hour": 4, "minute": 24, "second": 7}
